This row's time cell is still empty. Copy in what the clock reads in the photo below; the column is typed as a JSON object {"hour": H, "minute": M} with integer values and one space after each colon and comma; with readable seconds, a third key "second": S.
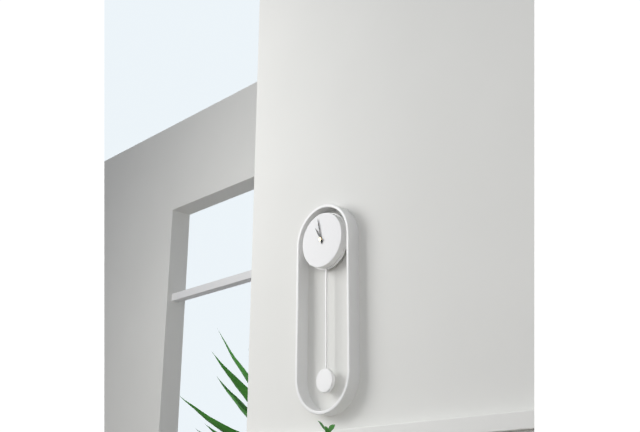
{"hour": 10, "minute": 58}
